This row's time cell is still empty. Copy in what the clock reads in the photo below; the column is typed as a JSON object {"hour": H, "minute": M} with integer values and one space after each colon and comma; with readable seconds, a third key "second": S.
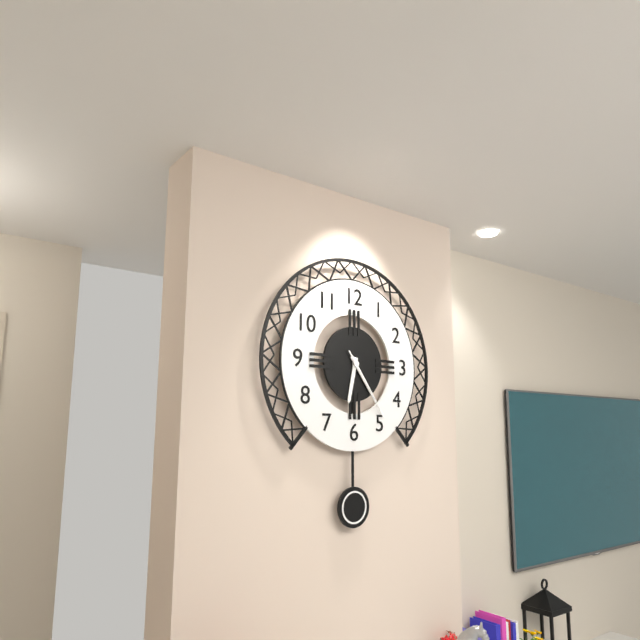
{"hour": 6, "minute": 24, "second": 24}
